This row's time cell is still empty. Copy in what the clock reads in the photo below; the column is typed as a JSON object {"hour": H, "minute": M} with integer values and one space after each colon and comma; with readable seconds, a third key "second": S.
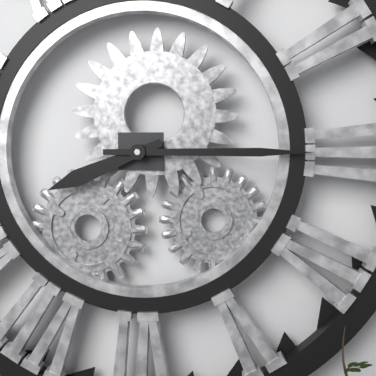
{"hour": 8, "minute": 15}
